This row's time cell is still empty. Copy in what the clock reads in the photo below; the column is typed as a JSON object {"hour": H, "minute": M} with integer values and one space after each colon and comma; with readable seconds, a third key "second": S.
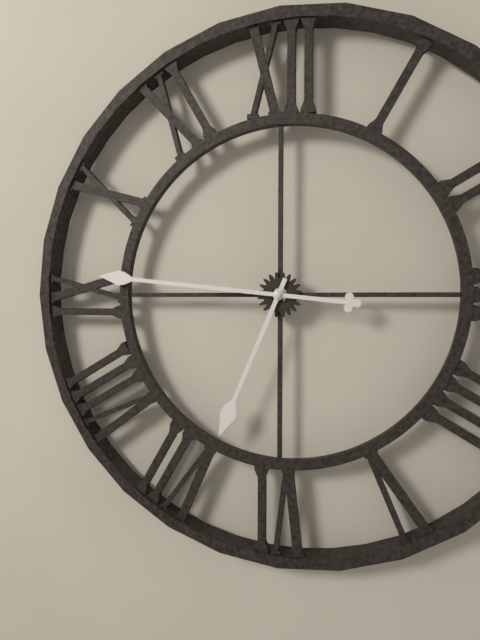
{"hour": 6, "minute": 46}
